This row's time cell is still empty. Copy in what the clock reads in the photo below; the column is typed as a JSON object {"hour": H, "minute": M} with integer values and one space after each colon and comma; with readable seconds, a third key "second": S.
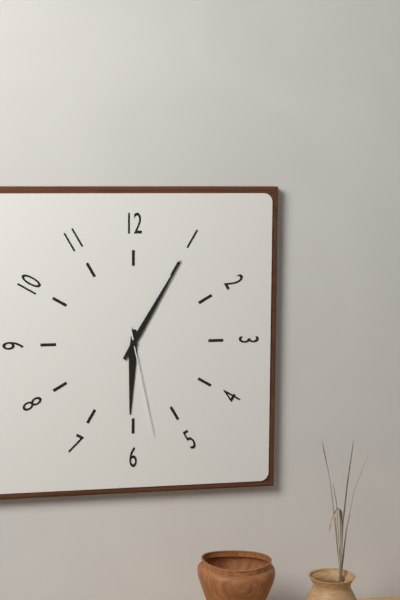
{"hour": 6, "minute": 5, "second": 28}
